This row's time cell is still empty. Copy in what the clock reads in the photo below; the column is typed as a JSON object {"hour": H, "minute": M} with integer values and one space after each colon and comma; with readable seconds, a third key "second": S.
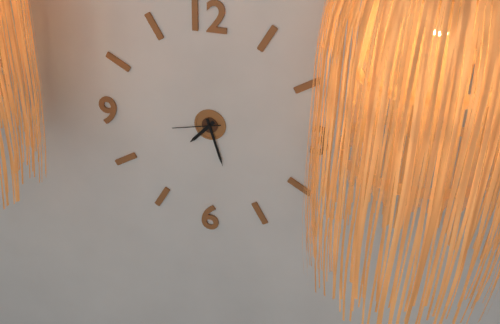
{"hour": 7, "minute": 27}
